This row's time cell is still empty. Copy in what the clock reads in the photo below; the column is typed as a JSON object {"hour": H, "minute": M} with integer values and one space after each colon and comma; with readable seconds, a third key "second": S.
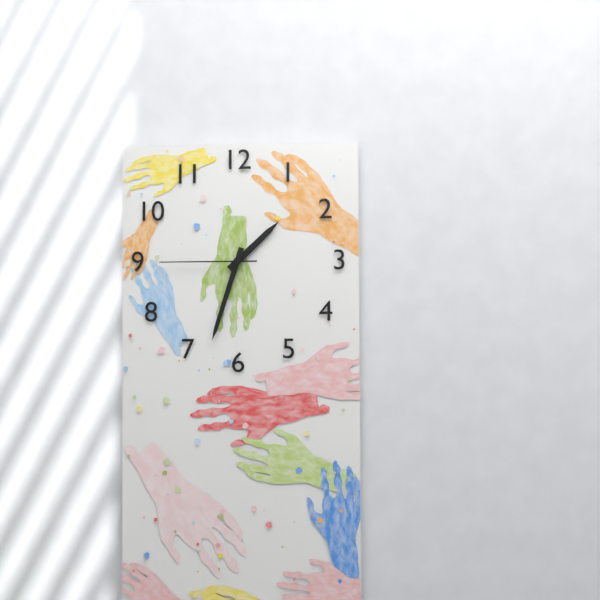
{"hour": 1, "minute": 33, "second": 45}
